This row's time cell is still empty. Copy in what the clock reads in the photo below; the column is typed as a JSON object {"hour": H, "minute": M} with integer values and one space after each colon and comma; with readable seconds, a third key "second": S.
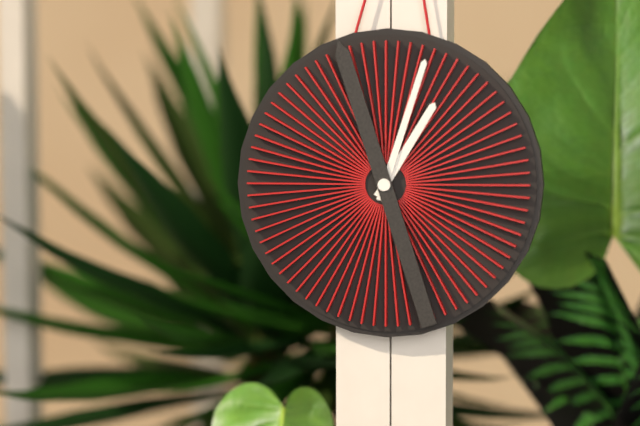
{"hour": 1, "minute": 3, "second": 57}
